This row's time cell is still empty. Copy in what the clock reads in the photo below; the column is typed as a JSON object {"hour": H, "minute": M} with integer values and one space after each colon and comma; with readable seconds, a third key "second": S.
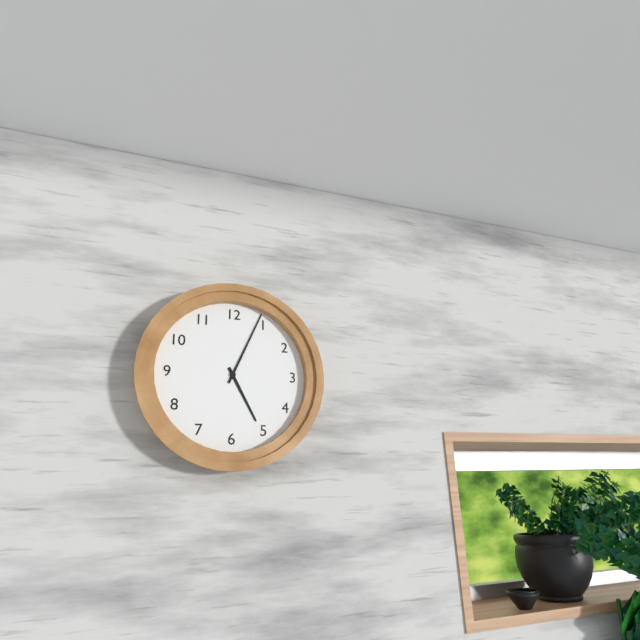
{"hour": 5, "minute": 4}
